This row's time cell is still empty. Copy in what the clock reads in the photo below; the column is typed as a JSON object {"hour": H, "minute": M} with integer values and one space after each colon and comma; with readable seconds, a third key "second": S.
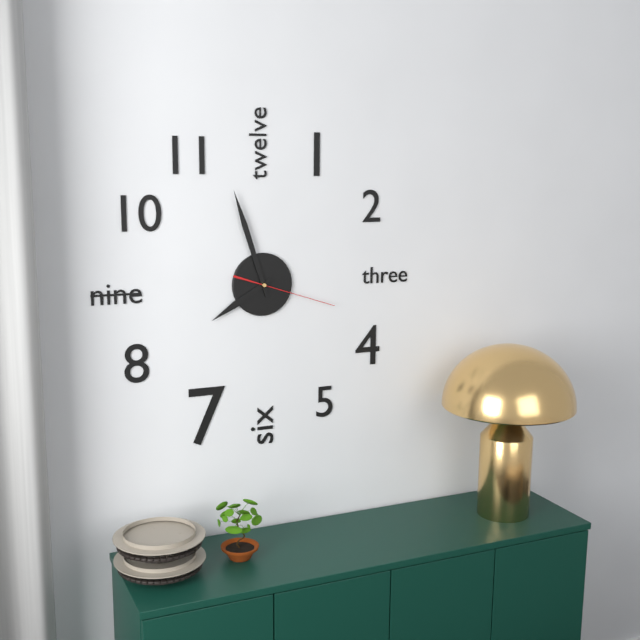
{"hour": 7, "minute": 57, "second": 18}
